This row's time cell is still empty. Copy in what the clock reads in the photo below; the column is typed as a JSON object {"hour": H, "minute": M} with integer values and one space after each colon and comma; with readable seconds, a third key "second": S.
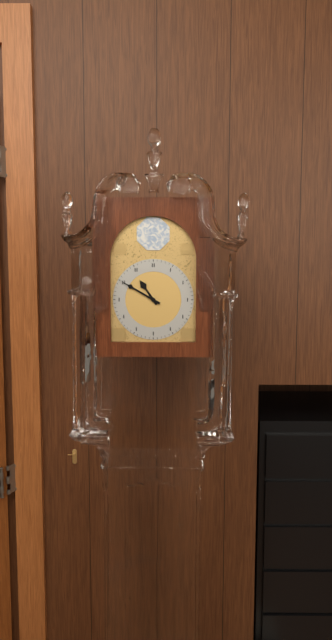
{"hour": 10, "minute": 50}
